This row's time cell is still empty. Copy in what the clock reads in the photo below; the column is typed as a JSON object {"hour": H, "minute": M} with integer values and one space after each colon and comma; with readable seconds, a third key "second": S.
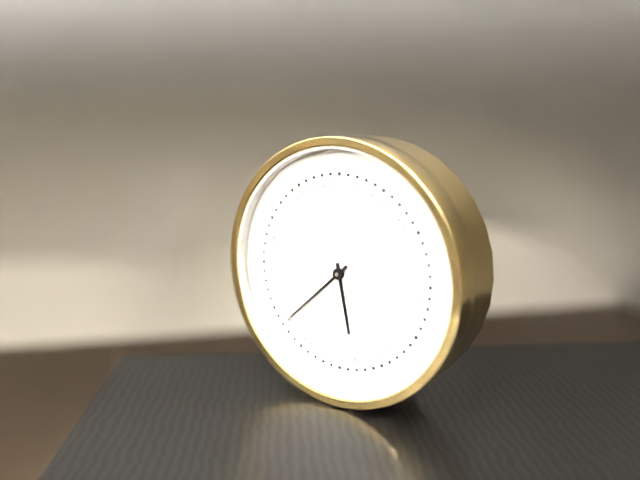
{"hour": 5, "minute": 38}
